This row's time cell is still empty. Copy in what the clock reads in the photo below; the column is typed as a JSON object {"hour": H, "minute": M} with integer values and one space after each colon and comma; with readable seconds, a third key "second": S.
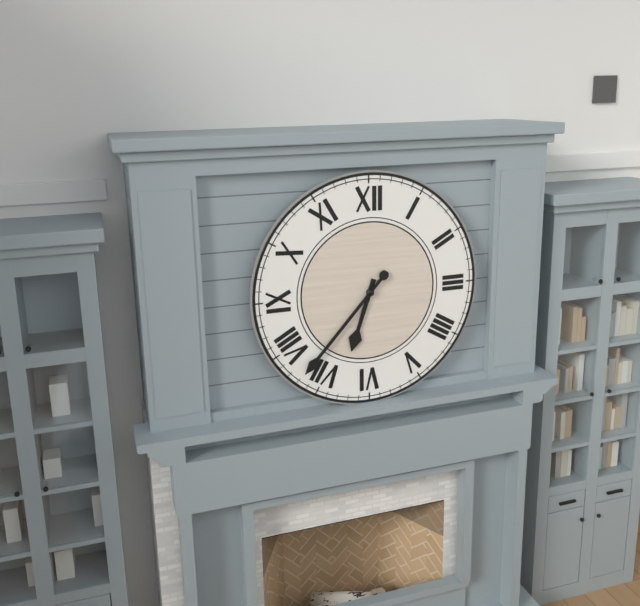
{"hour": 6, "minute": 37}
